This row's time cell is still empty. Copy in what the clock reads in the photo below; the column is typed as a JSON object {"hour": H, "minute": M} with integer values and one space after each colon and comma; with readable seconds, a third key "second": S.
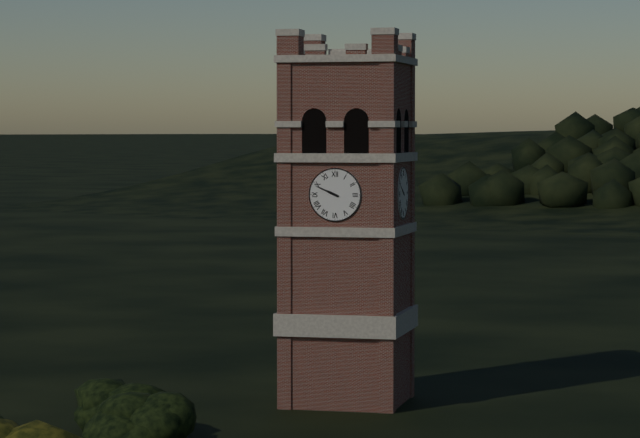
{"hour": 9, "minute": 49}
